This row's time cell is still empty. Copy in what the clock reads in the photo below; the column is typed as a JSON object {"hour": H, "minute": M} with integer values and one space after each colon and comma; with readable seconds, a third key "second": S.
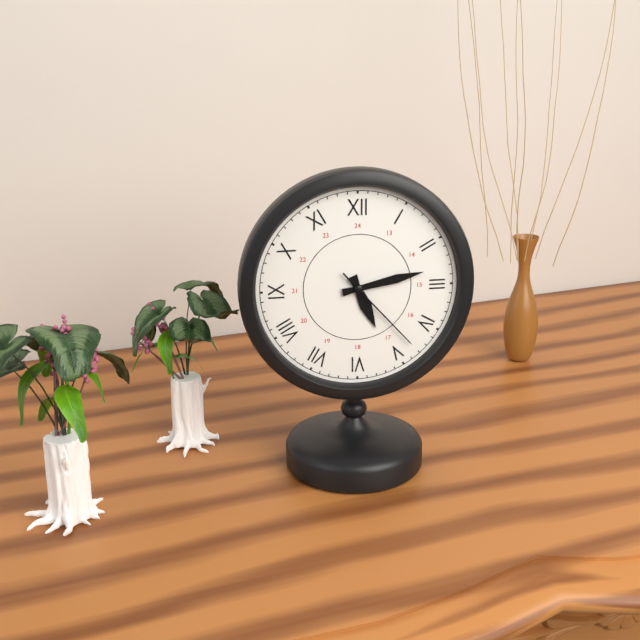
{"hour": 5, "minute": 13, "second": 23}
